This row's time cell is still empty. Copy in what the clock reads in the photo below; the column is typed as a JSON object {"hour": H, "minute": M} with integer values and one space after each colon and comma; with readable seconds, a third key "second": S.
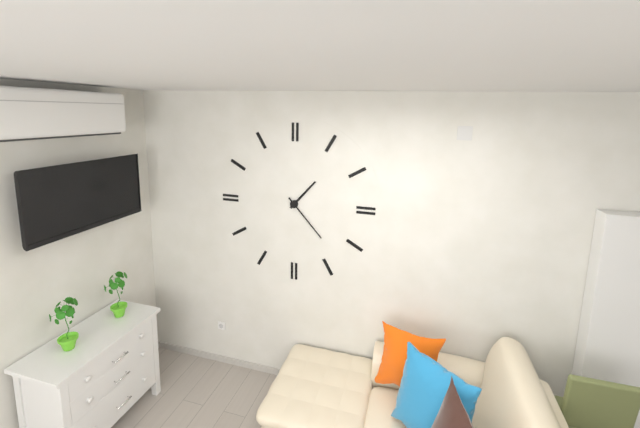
{"hour": 1, "minute": 23}
